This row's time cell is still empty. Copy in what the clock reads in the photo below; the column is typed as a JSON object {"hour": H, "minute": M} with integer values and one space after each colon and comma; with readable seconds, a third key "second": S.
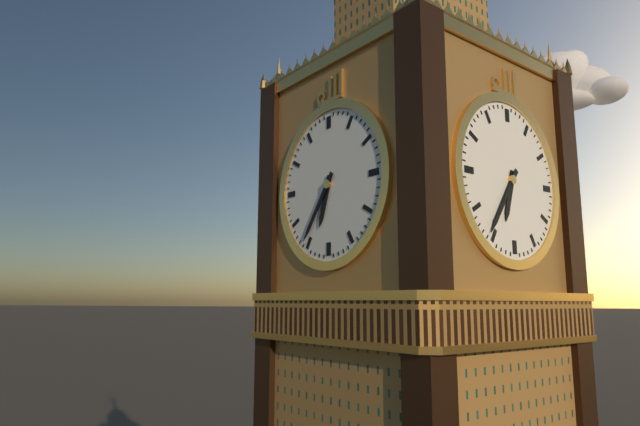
{"hour": 6, "minute": 36}
